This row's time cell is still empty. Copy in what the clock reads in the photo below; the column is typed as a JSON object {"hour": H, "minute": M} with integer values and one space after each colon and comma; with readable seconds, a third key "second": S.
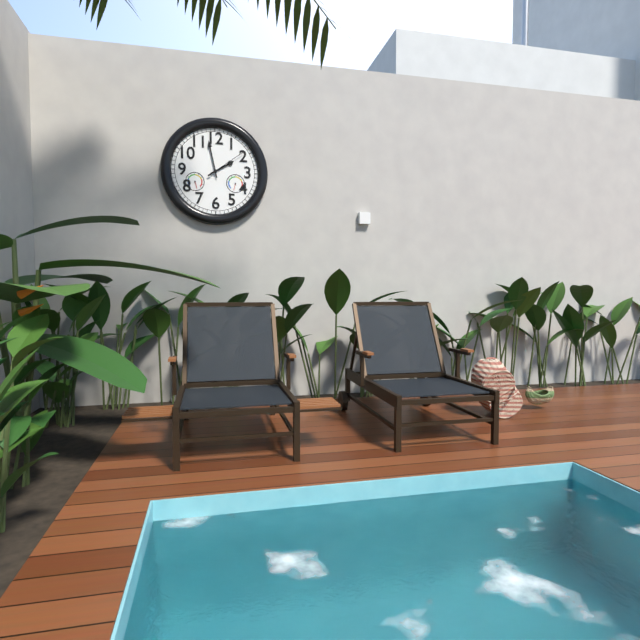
{"hour": 1, "minute": 58}
